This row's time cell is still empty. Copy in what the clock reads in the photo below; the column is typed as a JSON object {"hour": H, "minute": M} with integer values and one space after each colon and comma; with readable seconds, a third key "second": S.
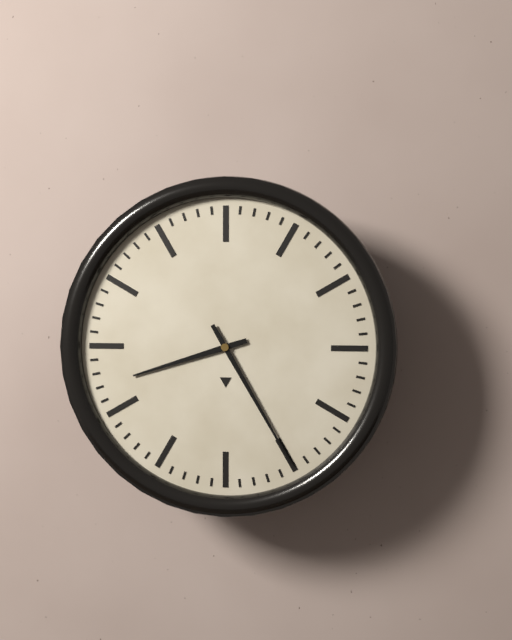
{"hour": 8, "minute": 25}
